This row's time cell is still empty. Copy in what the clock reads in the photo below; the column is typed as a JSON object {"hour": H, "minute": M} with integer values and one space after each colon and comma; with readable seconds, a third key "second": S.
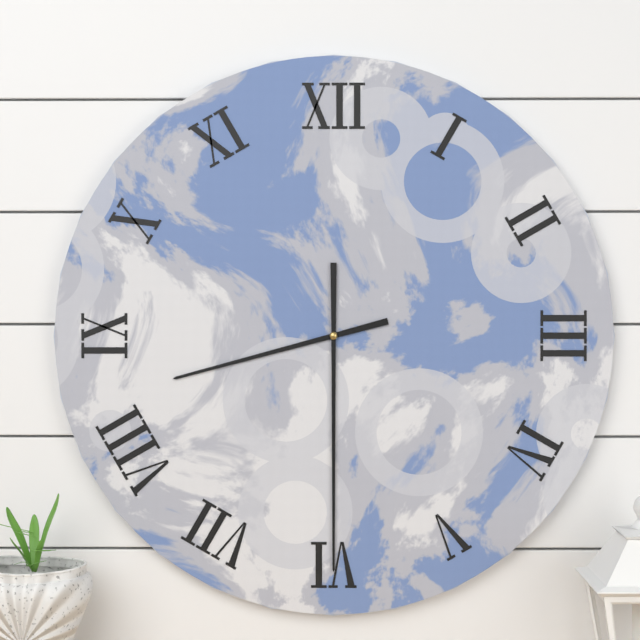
{"hour": 8, "minute": 30}
